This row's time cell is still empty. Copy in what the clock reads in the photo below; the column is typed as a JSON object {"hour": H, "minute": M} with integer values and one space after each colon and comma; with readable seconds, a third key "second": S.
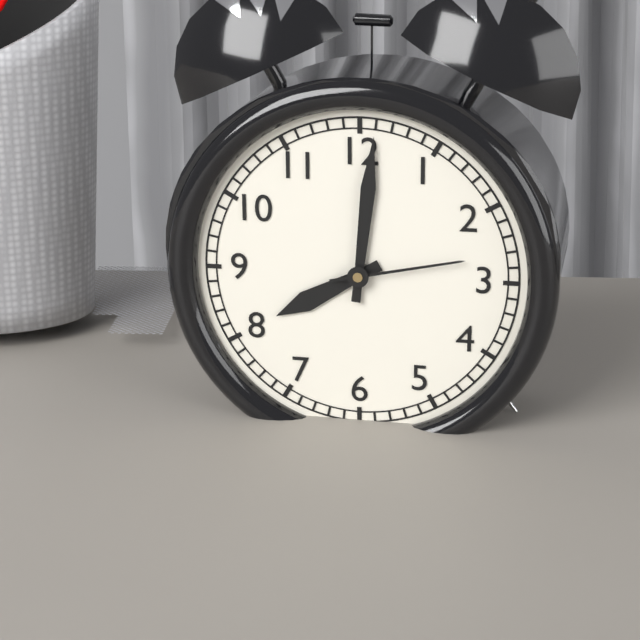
{"hour": 8, "minute": 1, "second": 13}
